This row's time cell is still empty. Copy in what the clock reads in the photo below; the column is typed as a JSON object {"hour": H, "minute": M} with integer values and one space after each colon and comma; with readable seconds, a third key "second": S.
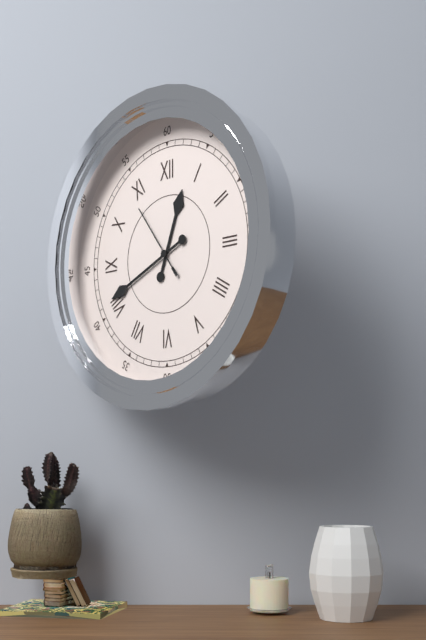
{"hour": 12, "minute": 41, "second": 54}
